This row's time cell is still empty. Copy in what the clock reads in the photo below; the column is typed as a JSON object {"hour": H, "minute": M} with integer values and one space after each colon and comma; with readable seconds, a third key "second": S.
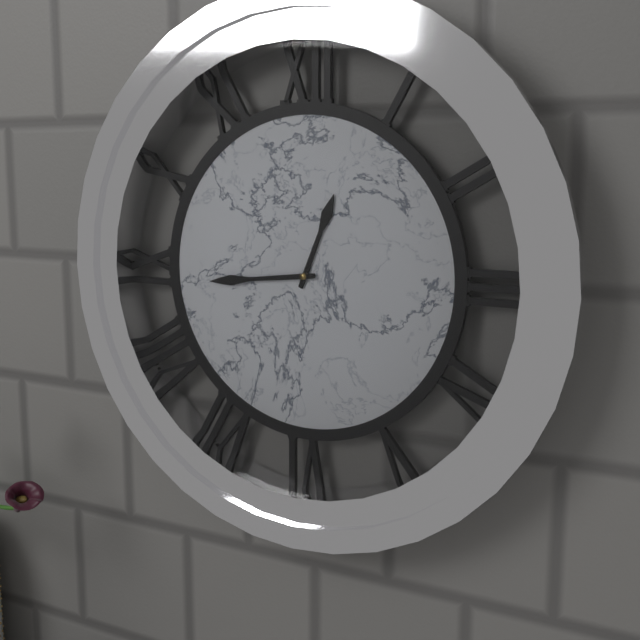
{"hour": 12, "minute": 44}
